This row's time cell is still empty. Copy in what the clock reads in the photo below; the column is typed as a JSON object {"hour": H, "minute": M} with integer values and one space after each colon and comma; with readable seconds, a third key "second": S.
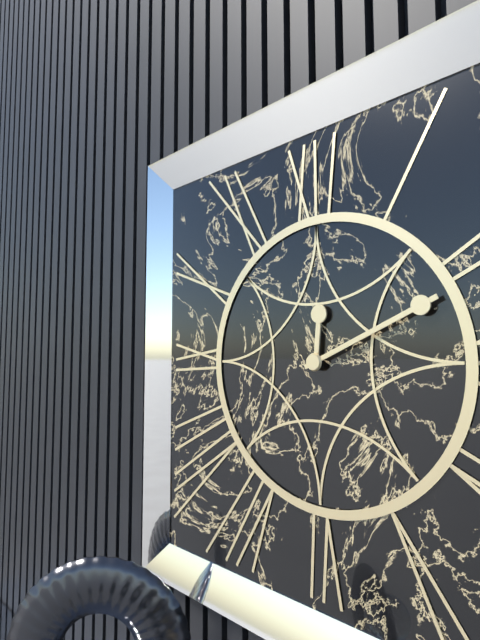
{"hour": 12, "minute": 11}
